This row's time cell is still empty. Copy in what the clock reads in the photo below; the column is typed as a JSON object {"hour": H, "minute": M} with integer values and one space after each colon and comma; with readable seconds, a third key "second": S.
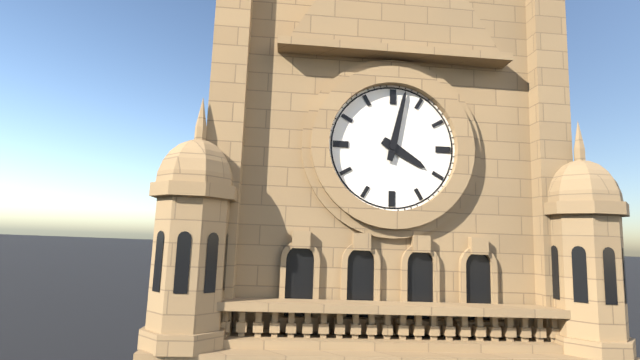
{"hour": 4, "minute": 2}
